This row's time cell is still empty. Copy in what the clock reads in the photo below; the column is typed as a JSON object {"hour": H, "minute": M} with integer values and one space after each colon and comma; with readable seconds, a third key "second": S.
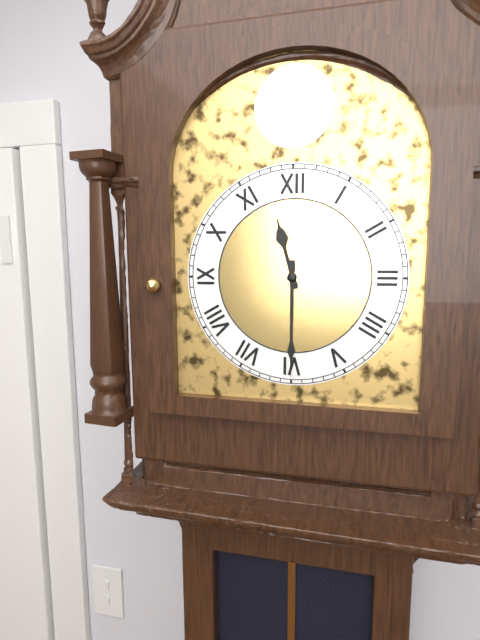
{"hour": 11, "minute": 30}
